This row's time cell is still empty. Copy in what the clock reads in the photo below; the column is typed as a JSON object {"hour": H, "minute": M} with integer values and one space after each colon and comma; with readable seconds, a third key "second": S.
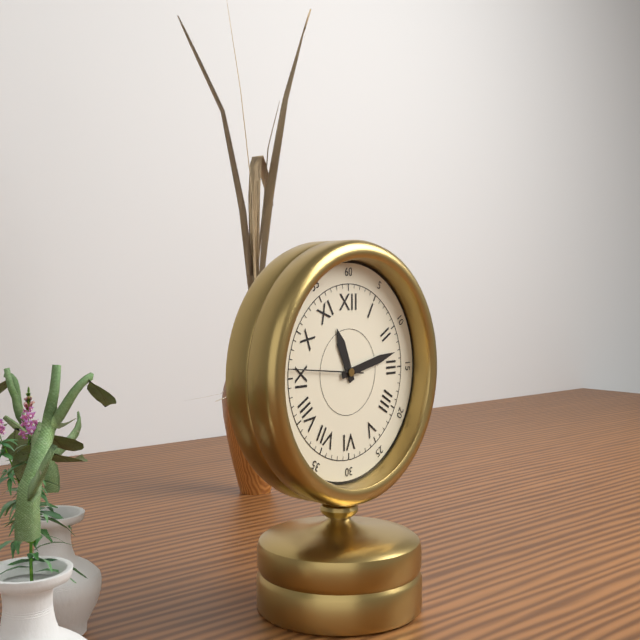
{"hour": 11, "minute": 13, "second": 46}
